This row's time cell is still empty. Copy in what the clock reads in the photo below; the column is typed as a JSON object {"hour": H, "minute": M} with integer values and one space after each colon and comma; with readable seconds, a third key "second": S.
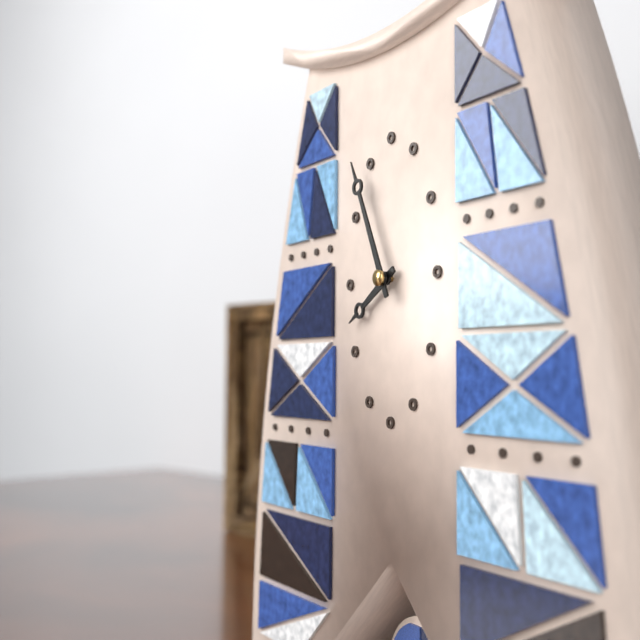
{"hour": 7, "minute": 56}
